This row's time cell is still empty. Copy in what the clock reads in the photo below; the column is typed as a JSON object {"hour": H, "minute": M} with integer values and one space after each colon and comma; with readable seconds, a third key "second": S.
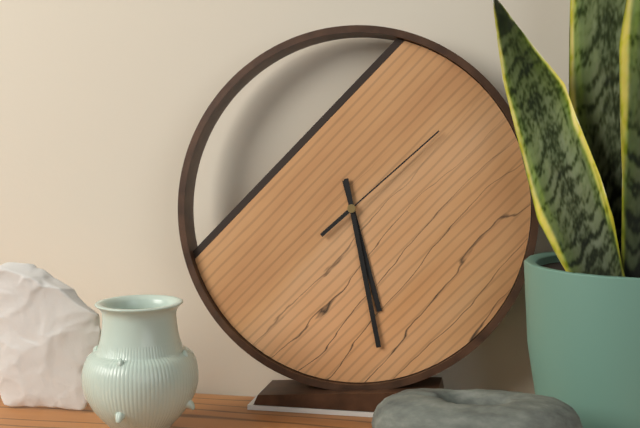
{"hour": 5, "minute": 28, "second": 8}
